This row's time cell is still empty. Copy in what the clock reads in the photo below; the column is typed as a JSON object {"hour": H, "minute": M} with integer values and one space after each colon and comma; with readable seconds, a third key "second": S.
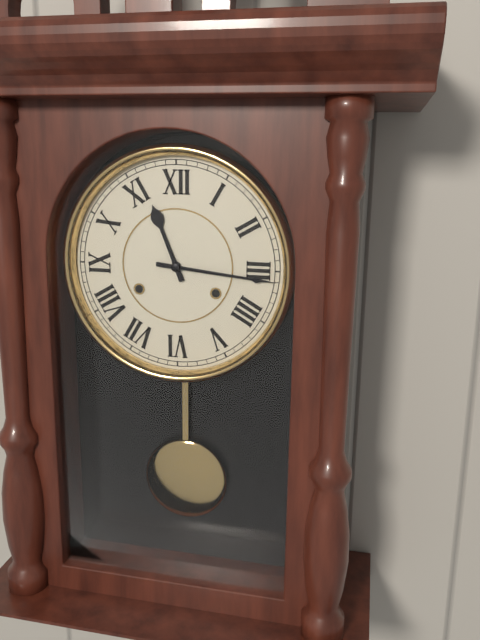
{"hour": 11, "minute": 16}
